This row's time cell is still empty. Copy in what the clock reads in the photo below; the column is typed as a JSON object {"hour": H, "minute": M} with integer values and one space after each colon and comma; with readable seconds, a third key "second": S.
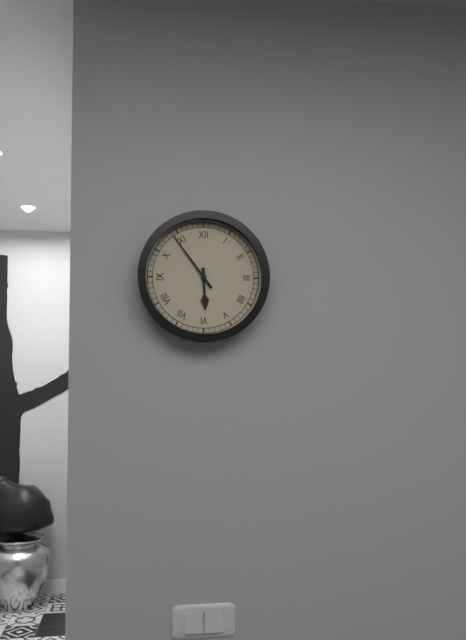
{"hour": 5, "minute": 54}
